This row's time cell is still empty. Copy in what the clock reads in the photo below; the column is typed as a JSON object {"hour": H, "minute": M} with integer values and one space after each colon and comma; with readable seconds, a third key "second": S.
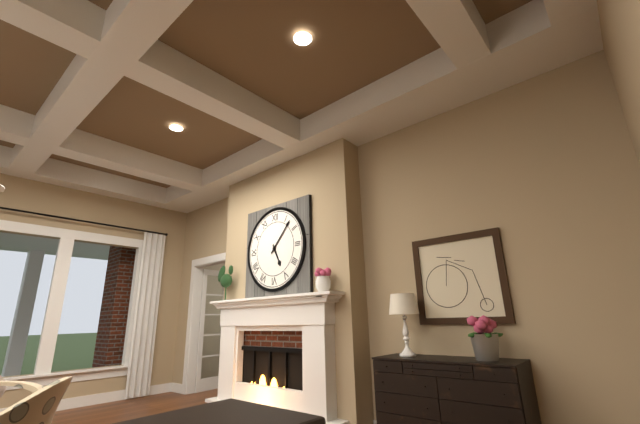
{"hour": 5, "minute": 7}
